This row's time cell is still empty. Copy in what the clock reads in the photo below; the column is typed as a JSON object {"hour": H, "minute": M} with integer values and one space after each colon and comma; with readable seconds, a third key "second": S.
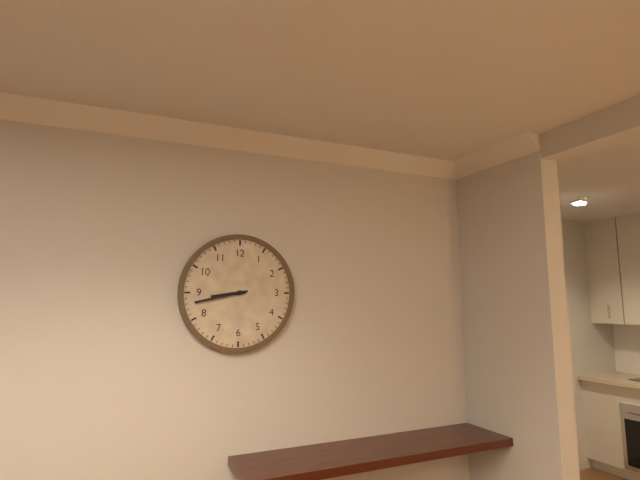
{"hour": 8, "minute": 43}
